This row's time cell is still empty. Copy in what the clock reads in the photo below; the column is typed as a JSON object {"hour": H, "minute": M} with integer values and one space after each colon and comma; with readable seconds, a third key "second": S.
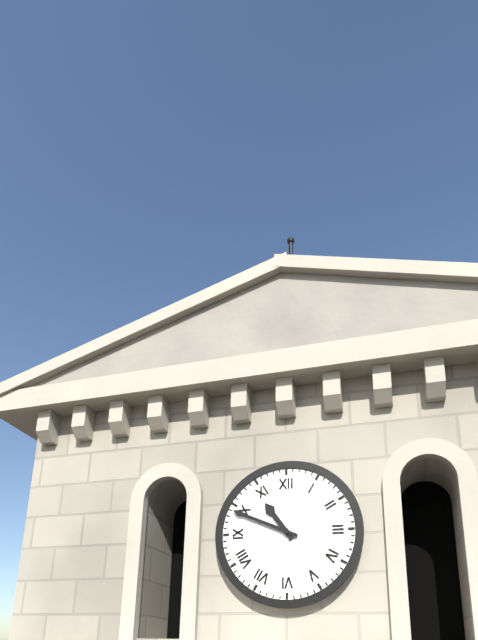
{"hour": 10, "minute": 49}
